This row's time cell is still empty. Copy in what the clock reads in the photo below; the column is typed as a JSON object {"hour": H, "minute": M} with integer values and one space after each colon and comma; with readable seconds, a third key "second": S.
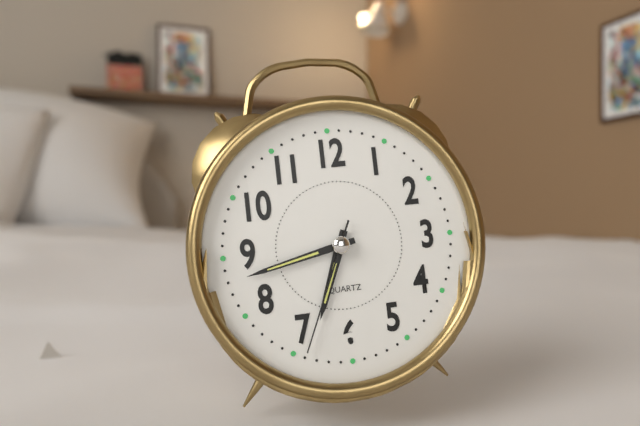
{"hour": 6, "minute": 43, "second": 34}
